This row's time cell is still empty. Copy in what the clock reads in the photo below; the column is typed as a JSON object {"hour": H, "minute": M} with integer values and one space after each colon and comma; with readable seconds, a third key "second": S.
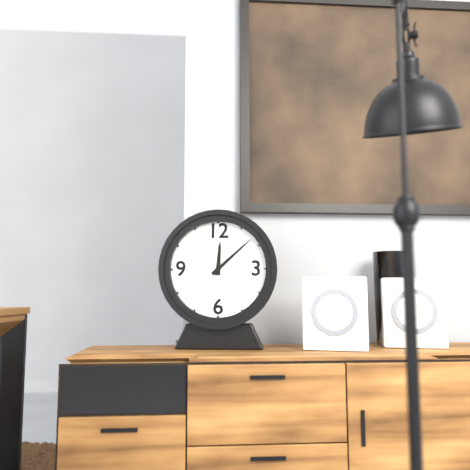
{"hour": 12, "minute": 8}
